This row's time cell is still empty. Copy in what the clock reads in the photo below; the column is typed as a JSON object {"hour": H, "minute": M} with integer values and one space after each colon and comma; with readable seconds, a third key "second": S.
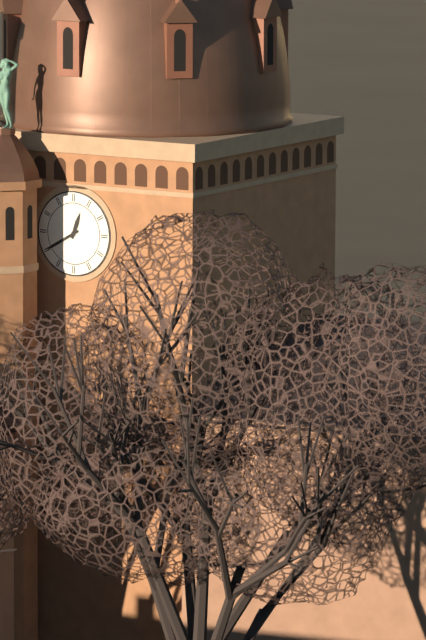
{"hour": 12, "minute": 40}
